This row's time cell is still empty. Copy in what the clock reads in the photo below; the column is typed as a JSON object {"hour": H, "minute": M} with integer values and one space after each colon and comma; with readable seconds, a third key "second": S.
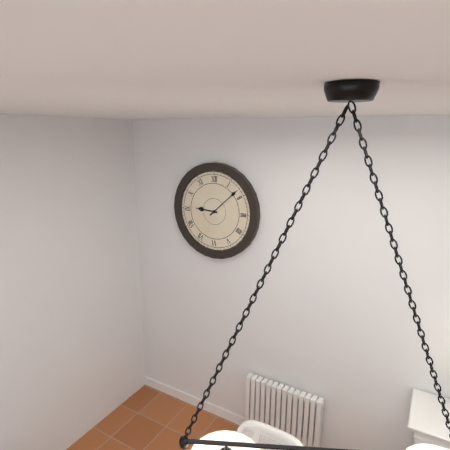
{"hour": 9, "minute": 8}
